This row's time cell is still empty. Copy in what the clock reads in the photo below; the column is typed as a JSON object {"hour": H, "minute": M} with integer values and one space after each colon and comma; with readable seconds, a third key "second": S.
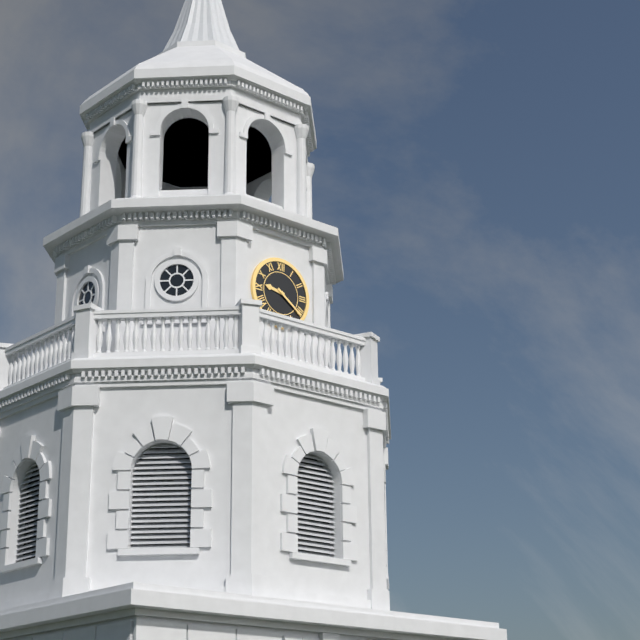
{"hour": 9, "minute": 21}
